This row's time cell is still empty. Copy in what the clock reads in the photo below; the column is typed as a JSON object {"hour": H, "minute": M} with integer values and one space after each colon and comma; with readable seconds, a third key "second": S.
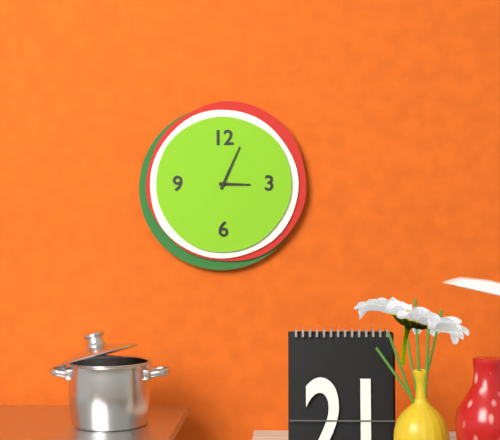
{"hour": 3, "minute": 4}
